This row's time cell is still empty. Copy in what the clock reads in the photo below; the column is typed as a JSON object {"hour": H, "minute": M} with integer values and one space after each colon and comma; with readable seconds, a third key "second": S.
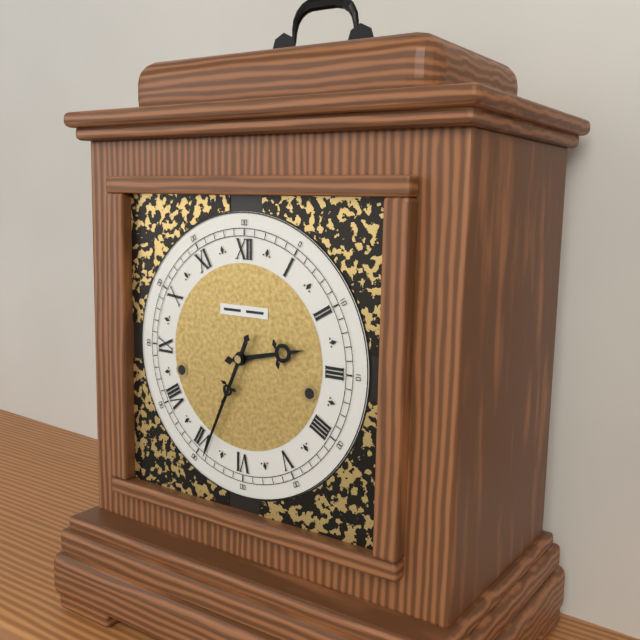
{"hour": 2, "minute": 34}
